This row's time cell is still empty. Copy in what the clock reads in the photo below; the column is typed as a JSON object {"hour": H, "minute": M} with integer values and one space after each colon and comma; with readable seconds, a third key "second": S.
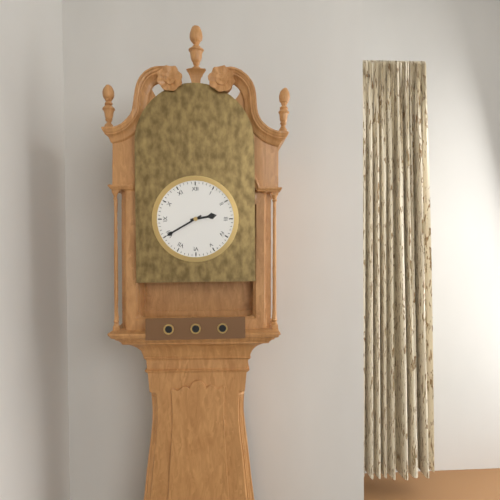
{"hour": 2, "minute": 40}
